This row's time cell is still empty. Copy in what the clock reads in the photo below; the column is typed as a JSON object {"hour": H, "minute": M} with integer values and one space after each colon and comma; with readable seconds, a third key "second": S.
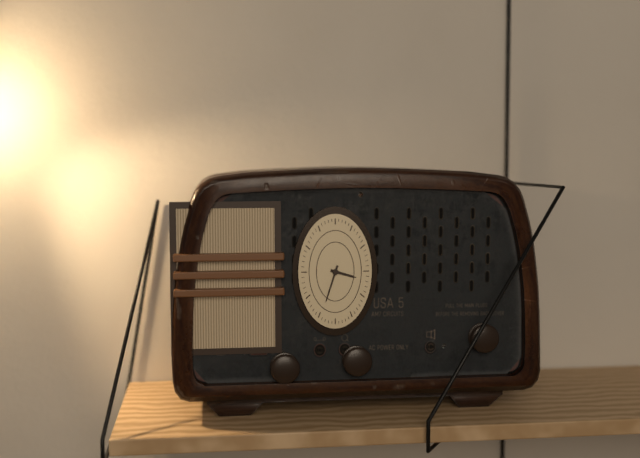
{"hour": 3, "minute": 33}
